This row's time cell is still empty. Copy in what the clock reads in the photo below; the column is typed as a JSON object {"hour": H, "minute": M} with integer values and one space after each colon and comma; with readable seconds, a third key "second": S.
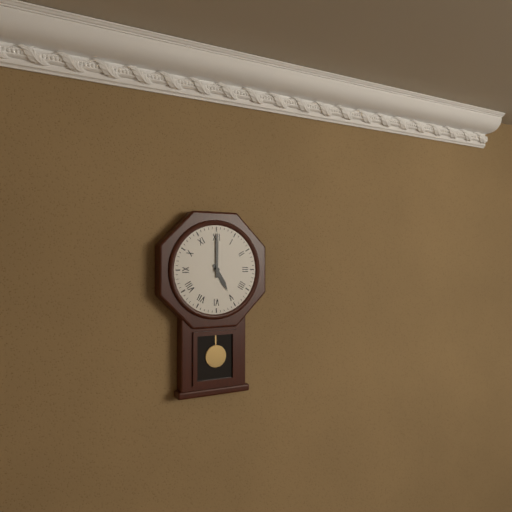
{"hour": 5, "minute": 0}
